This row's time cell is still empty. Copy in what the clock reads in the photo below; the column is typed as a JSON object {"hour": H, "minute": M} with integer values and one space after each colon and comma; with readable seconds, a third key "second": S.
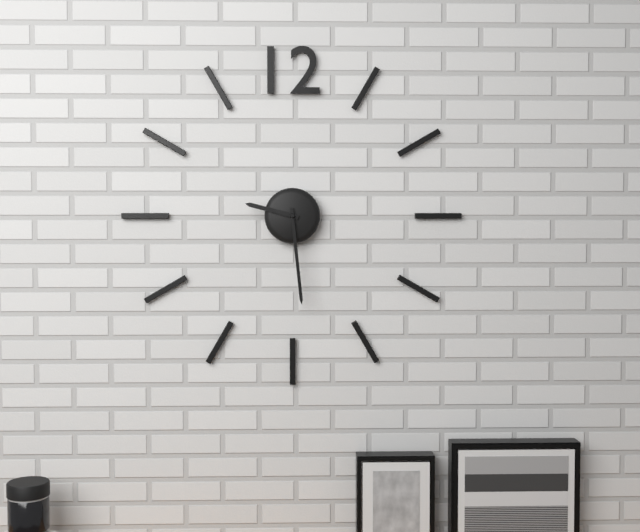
{"hour": 9, "minute": 29}
